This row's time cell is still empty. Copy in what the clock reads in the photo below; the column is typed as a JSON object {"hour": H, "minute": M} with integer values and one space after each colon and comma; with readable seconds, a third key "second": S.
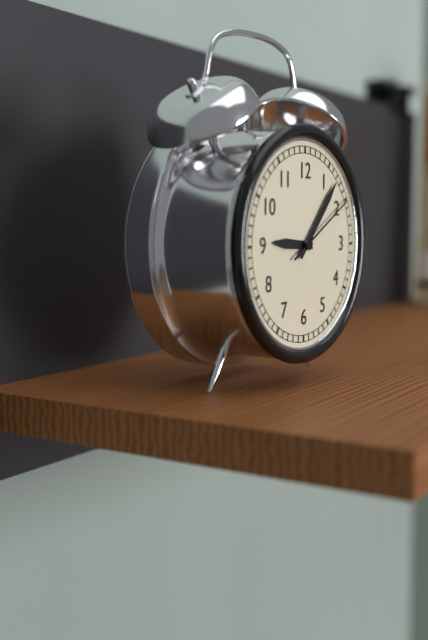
{"hour": 9, "minute": 7, "second": 10}
